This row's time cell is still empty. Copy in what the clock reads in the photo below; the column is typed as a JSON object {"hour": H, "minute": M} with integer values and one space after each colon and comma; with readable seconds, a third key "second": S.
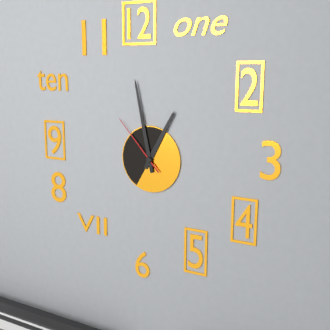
{"hour": 12, "minute": 58, "second": 53}
